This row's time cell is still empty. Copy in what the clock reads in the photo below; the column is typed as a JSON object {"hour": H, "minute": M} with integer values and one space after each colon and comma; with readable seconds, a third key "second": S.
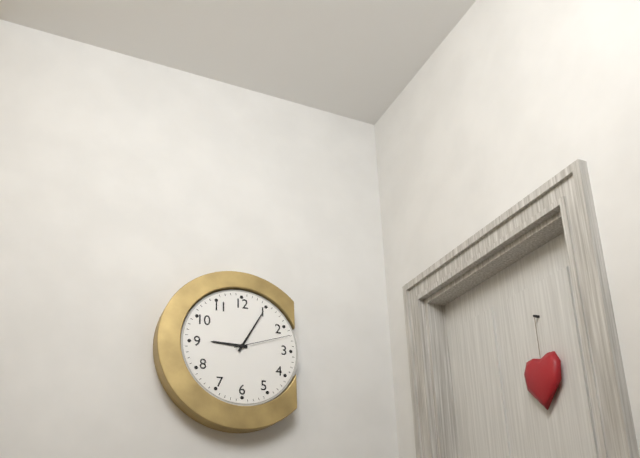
{"hour": 9, "minute": 5, "second": 12}
